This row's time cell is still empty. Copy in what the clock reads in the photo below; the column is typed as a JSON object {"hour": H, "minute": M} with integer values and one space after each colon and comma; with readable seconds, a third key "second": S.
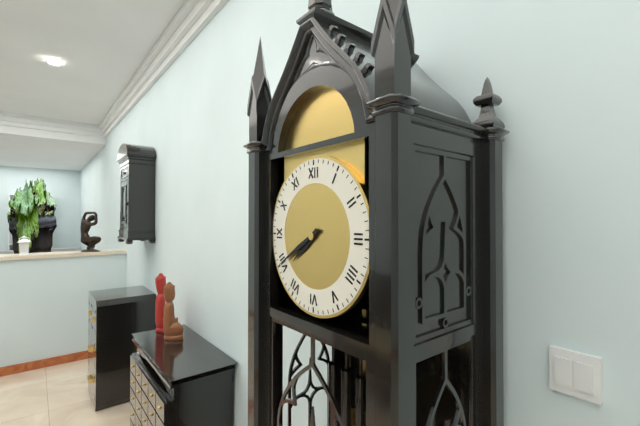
{"hour": 7, "minute": 40}
